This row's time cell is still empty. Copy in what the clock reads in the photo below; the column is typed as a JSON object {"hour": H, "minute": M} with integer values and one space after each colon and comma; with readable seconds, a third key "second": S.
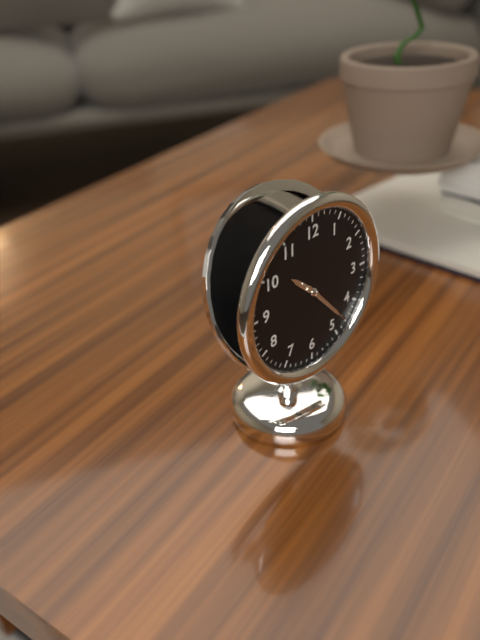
{"hour": 10, "minute": 23, "second": 23}
